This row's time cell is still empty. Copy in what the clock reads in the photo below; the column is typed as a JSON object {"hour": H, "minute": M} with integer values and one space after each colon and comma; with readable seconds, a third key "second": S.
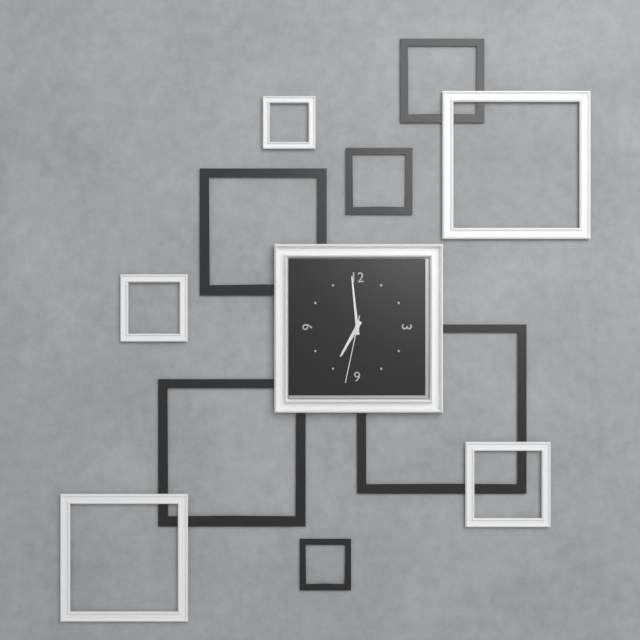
{"hour": 6, "minute": 59, "second": 32}
